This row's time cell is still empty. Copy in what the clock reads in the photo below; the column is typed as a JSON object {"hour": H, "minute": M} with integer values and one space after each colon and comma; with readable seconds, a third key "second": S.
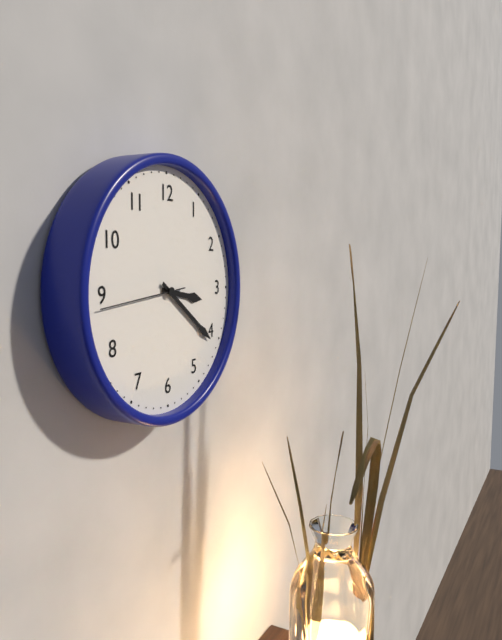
{"hour": 3, "minute": 21, "second": 44}
